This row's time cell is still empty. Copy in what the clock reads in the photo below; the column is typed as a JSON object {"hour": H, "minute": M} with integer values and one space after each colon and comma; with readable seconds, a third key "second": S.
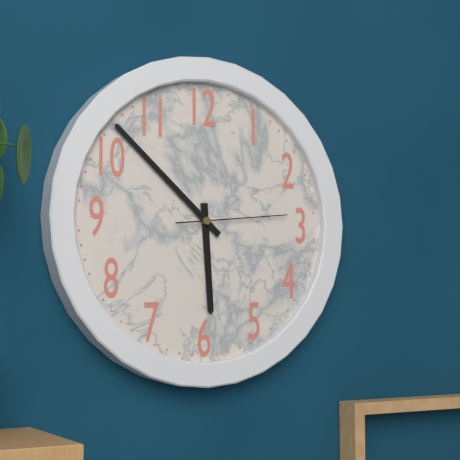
{"hour": 5, "minute": 52, "second": 14}
